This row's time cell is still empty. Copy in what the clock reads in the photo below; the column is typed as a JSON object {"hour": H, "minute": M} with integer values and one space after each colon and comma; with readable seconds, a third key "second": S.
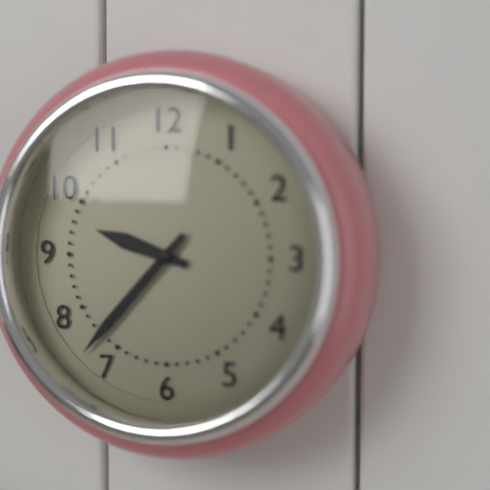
{"hour": 9, "minute": 37}
